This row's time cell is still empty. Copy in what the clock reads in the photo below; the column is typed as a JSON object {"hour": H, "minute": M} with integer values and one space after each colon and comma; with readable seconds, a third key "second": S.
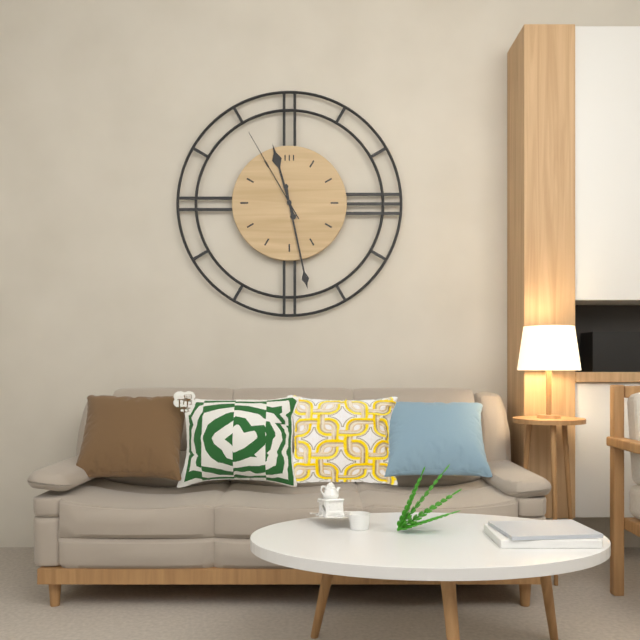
{"hour": 11, "minute": 28, "second": 55}
